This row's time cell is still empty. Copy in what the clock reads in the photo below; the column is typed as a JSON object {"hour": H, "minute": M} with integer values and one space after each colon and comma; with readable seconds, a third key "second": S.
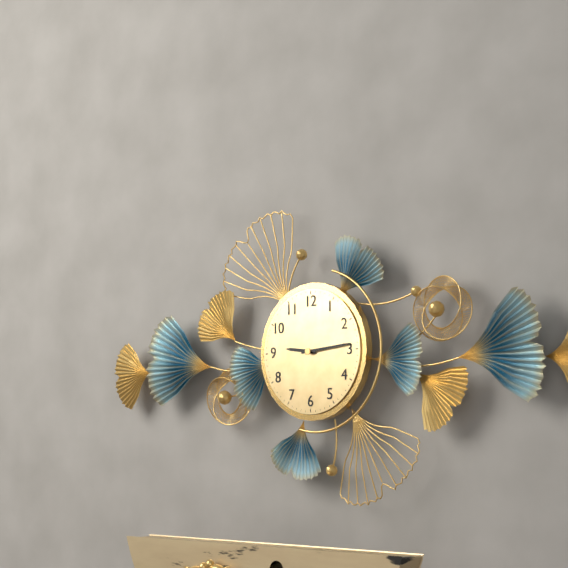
{"hour": 9, "minute": 14}
